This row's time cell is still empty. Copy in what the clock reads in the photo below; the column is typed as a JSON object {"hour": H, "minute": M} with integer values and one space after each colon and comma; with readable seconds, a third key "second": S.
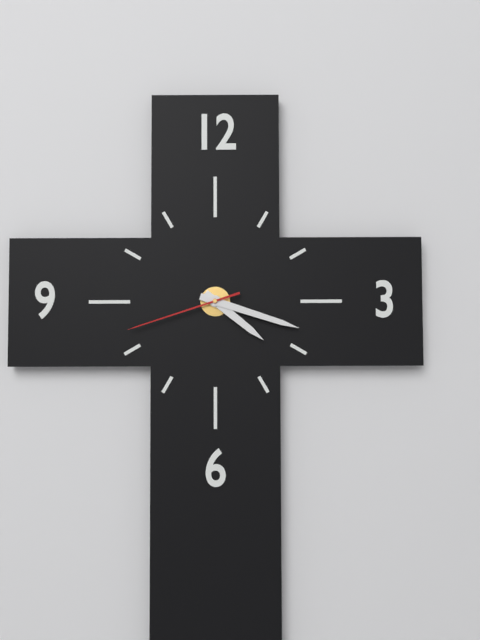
{"hour": 4, "minute": 18, "second": 42}
